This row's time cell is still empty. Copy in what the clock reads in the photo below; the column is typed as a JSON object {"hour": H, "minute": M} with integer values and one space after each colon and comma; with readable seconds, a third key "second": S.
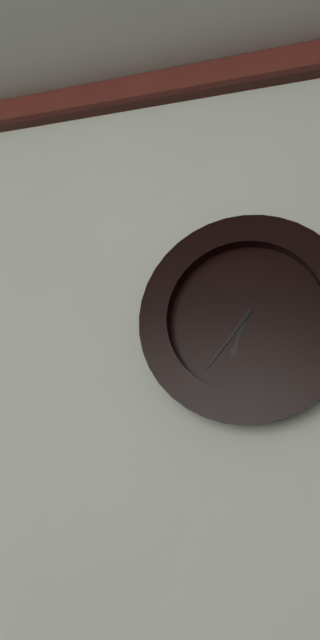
{"hour": 6, "minute": 36}
